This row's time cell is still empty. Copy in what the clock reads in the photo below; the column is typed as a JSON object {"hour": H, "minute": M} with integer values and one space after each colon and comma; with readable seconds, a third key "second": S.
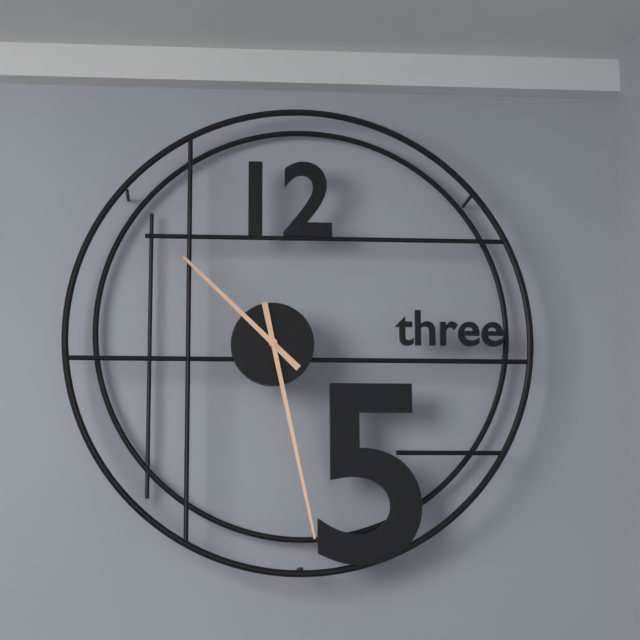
{"hour": 10, "minute": 28}
